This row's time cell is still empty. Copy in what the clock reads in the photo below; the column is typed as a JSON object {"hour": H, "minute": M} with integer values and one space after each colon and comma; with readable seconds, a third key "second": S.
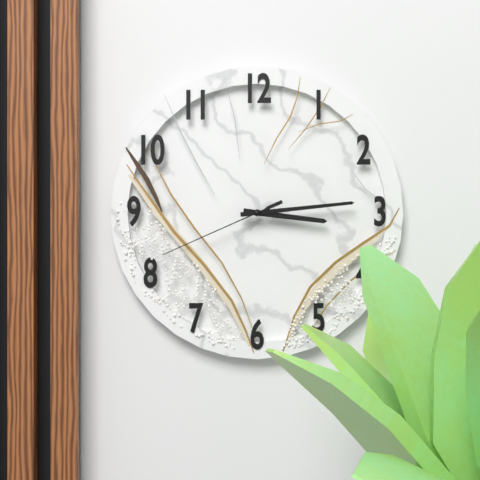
{"hour": 3, "minute": 14, "second": 41}
